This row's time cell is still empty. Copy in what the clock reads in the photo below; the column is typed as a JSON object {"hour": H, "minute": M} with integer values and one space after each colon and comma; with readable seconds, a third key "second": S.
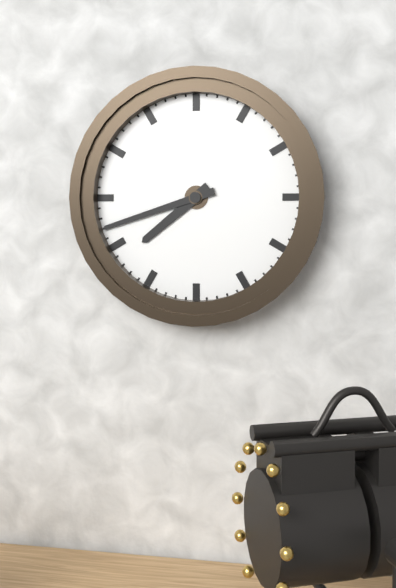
{"hour": 7, "minute": 42}
